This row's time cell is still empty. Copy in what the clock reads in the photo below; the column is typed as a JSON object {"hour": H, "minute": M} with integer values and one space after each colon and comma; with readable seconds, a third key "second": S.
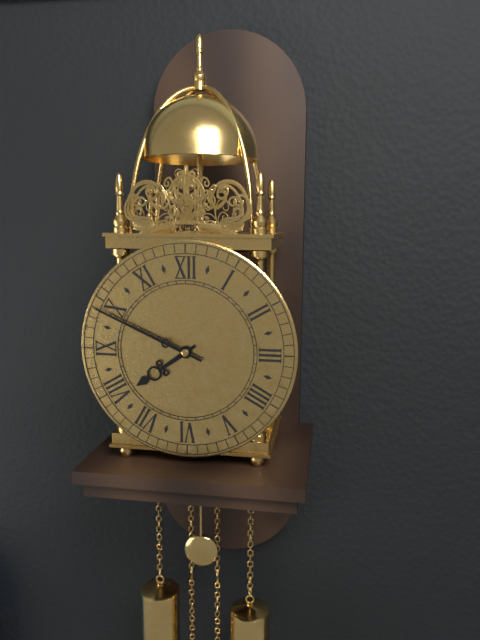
{"hour": 7, "minute": 49}
